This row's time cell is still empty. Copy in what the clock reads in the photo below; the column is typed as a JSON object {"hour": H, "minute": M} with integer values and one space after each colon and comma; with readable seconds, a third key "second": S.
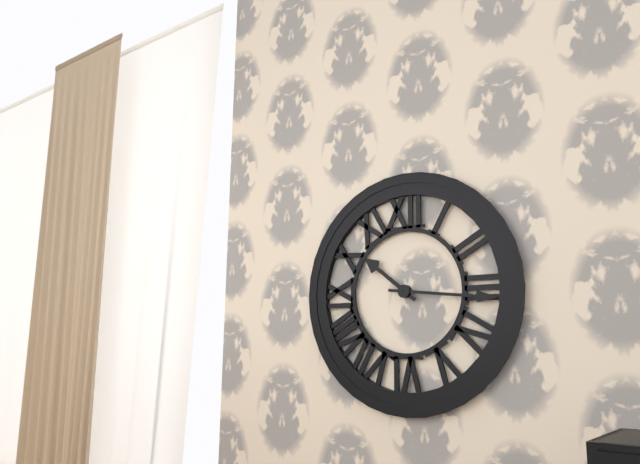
{"hour": 10, "minute": 16}
